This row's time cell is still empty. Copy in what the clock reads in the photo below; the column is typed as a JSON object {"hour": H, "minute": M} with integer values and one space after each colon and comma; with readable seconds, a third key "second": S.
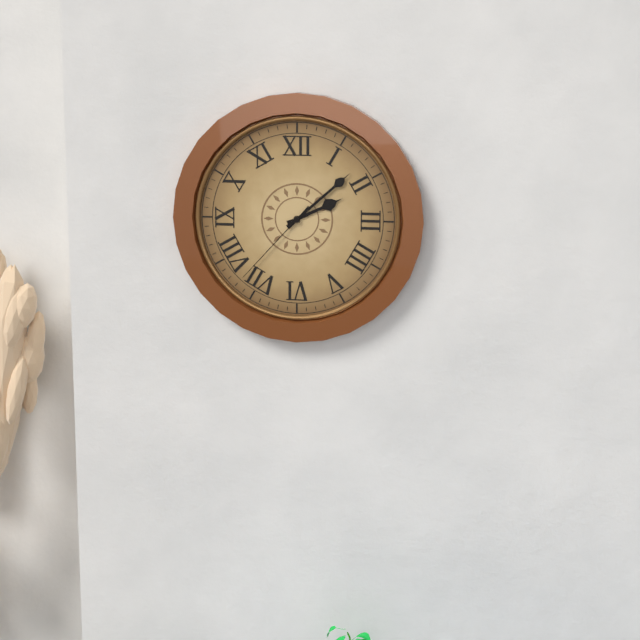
{"hour": 2, "minute": 8, "second": 37}
